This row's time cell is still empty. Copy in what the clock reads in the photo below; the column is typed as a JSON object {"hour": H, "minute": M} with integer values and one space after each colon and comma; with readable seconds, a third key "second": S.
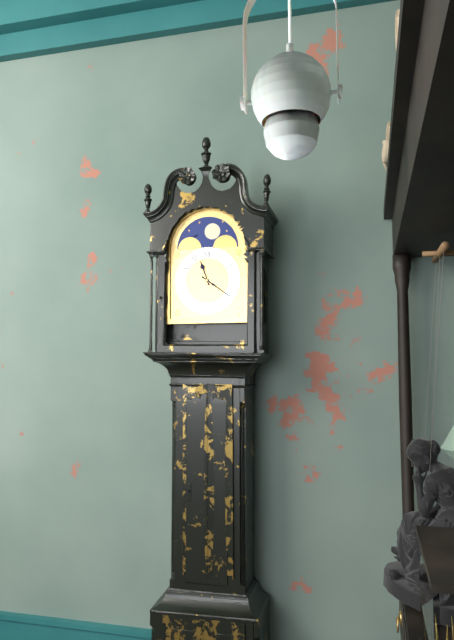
{"hour": 11, "minute": 21}
